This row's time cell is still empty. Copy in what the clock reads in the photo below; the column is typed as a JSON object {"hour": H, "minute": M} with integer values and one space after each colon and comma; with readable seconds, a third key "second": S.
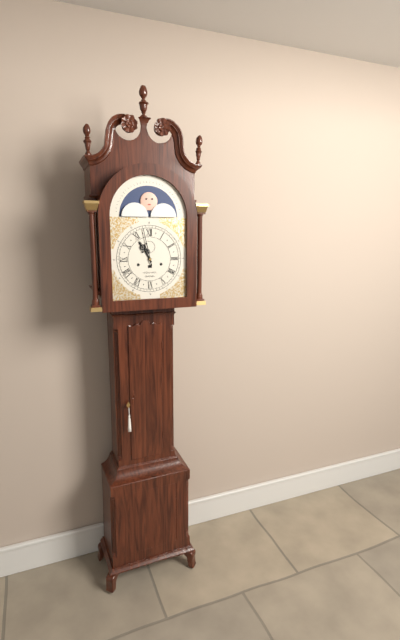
{"hour": 10, "minute": 58}
